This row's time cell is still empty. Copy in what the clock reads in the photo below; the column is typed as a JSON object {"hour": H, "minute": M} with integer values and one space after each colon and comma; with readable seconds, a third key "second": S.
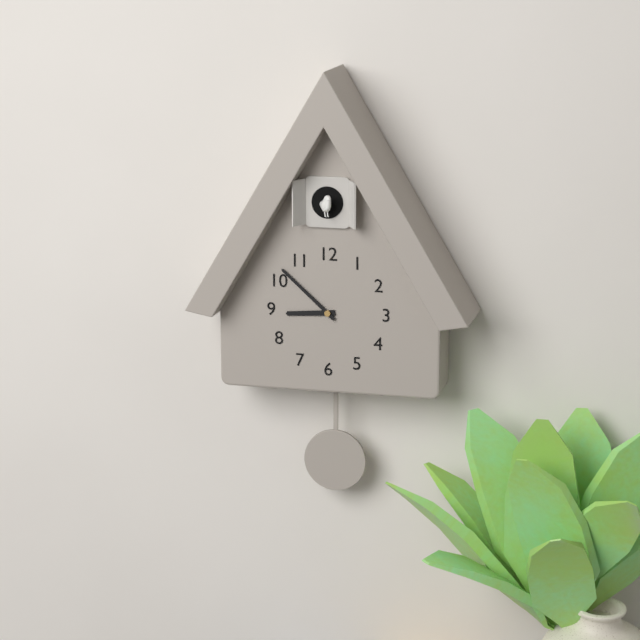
{"hour": 8, "minute": 52}
